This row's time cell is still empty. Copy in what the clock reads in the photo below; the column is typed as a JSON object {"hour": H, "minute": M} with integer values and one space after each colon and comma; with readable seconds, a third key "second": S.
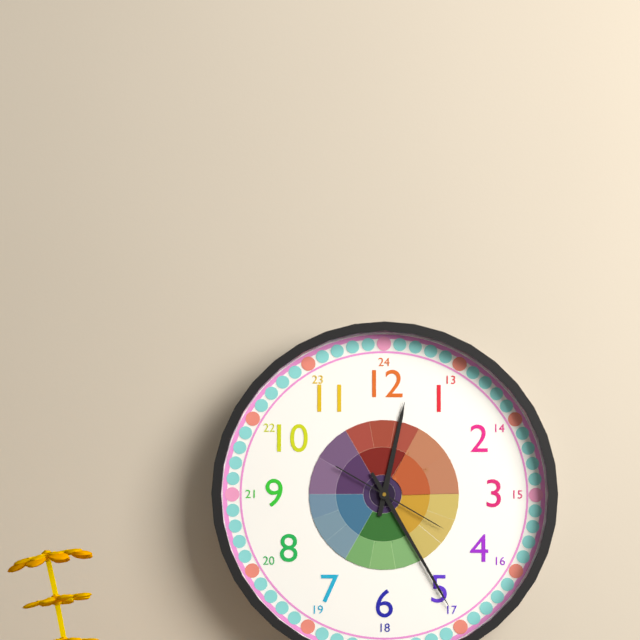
{"hour": 12, "minute": 25, "second": 20}
